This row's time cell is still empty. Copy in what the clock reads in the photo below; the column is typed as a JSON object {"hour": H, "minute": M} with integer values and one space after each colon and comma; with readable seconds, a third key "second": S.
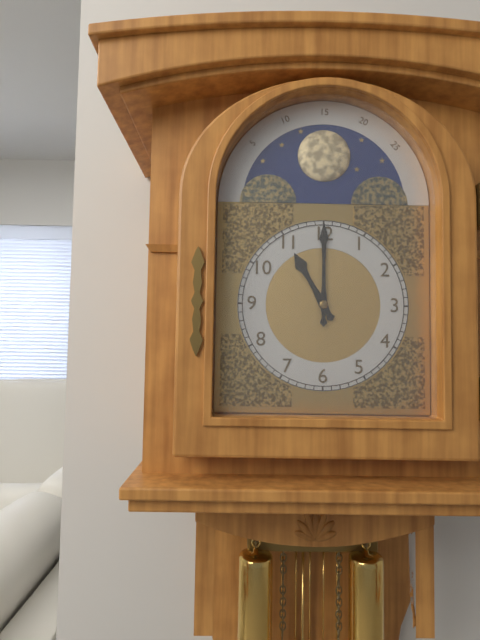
{"hour": 11, "minute": 0}
